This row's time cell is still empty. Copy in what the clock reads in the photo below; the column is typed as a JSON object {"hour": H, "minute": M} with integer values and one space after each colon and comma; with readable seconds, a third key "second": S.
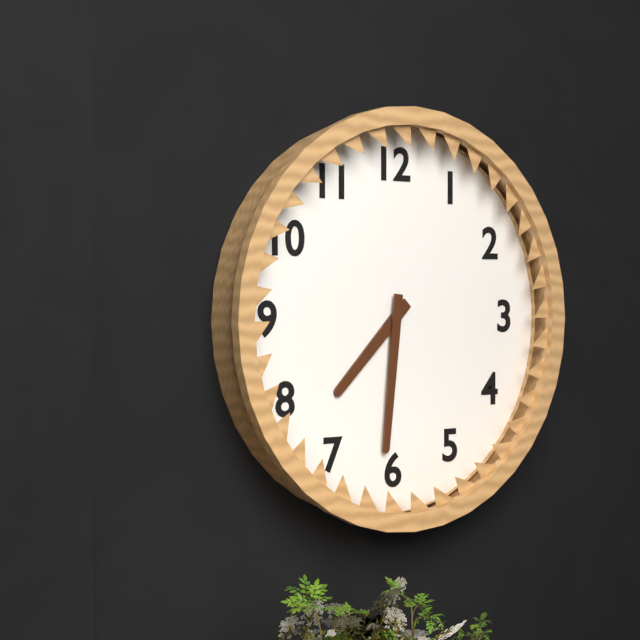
{"hour": 7, "minute": 31}
